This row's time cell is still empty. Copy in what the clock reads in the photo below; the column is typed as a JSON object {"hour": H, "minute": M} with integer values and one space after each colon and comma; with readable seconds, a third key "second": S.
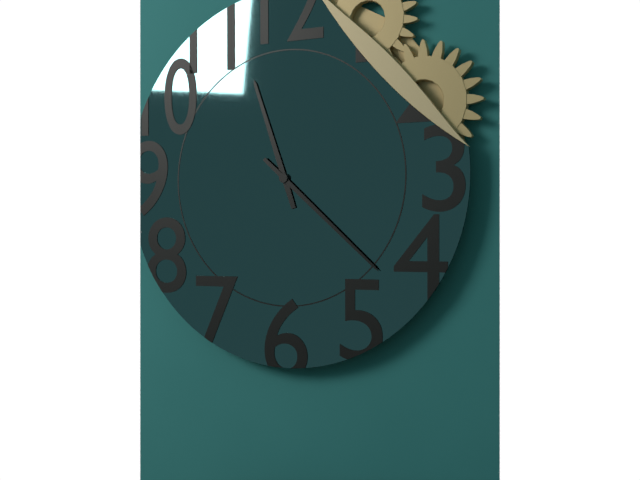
{"hour": 11, "minute": 22}
